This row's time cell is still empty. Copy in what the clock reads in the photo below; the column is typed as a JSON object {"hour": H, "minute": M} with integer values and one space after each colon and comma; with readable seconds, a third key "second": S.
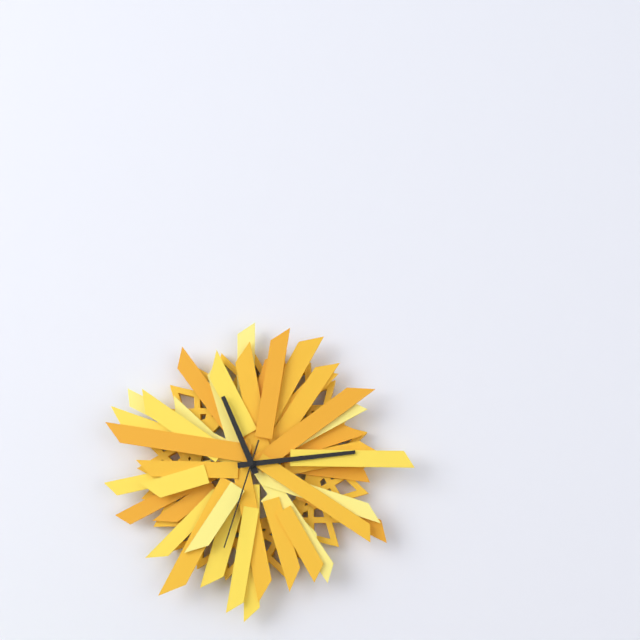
{"hour": 11, "minute": 14, "second": 33}
